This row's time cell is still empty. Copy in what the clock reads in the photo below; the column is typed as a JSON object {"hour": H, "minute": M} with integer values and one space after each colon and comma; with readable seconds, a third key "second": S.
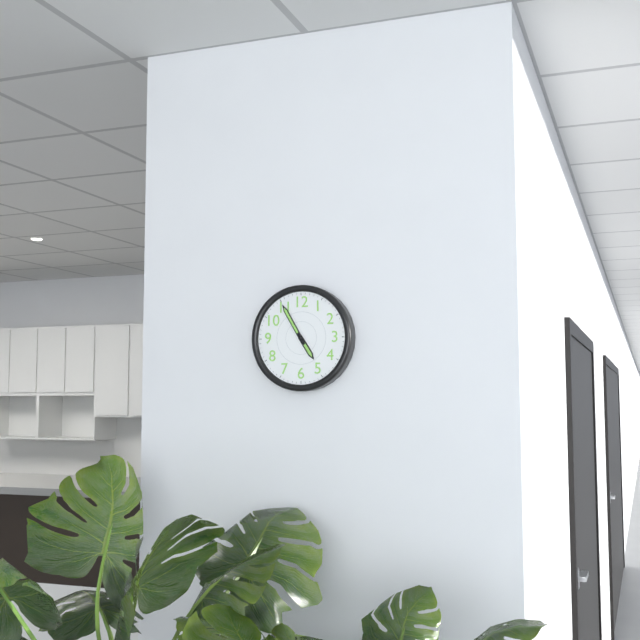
{"hour": 4, "minute": 55}
